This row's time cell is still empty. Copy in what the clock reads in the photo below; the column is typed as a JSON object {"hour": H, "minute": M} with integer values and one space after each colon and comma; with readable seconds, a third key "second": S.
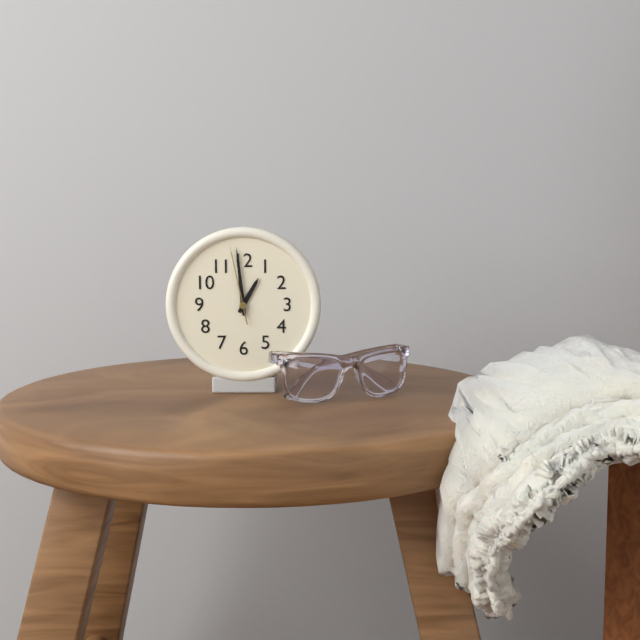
{"hour": 12, "minute": 59, "second": 58}
